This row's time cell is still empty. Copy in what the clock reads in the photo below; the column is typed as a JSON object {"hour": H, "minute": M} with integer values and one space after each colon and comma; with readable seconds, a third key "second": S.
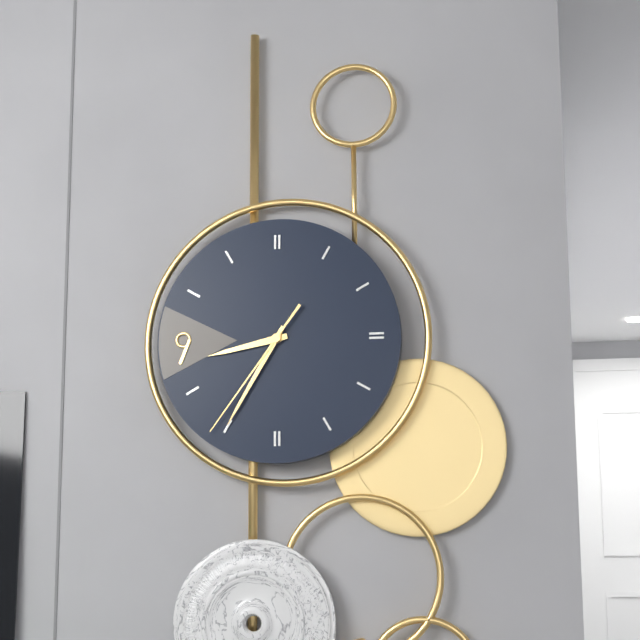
{"hour": 8, "minute": 35, "second": 36}
